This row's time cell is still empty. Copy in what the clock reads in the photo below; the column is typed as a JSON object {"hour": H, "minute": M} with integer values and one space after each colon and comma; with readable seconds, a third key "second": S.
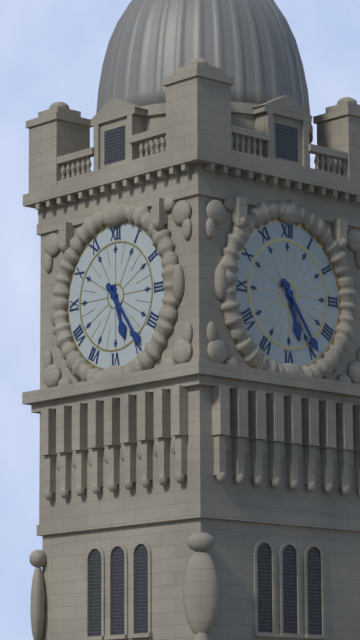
{"hour": 5, "minute": 24}
